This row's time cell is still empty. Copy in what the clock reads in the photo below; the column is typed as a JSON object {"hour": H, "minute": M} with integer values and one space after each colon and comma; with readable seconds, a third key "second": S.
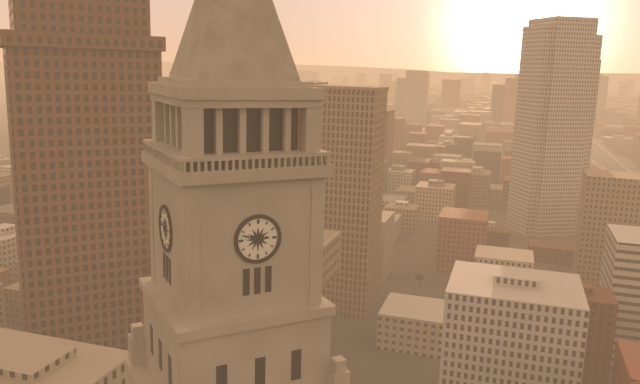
{"hour": 2, "minute": 48}
